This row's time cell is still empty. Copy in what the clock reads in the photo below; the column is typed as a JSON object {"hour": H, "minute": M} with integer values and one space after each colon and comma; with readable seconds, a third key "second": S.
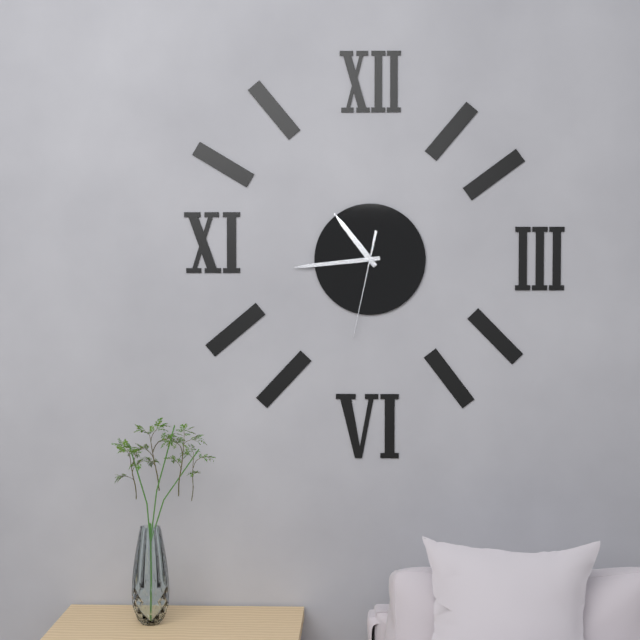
{"hour": 10, "minute": 44, "second": 32}
